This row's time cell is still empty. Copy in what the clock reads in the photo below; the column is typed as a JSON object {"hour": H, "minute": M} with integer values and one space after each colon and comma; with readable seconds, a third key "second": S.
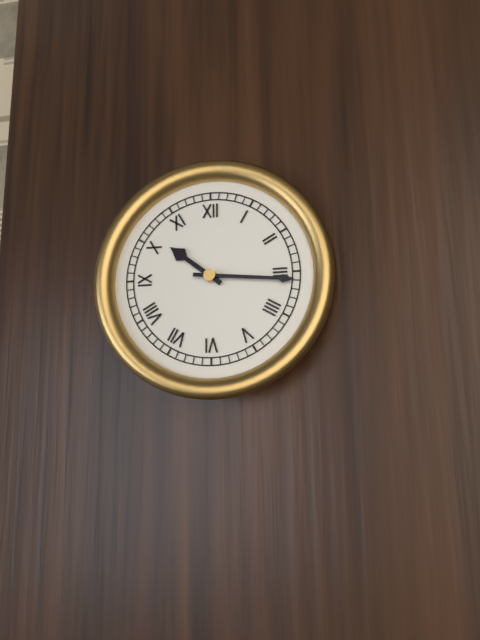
{"hour": 10, "minute": 16}
